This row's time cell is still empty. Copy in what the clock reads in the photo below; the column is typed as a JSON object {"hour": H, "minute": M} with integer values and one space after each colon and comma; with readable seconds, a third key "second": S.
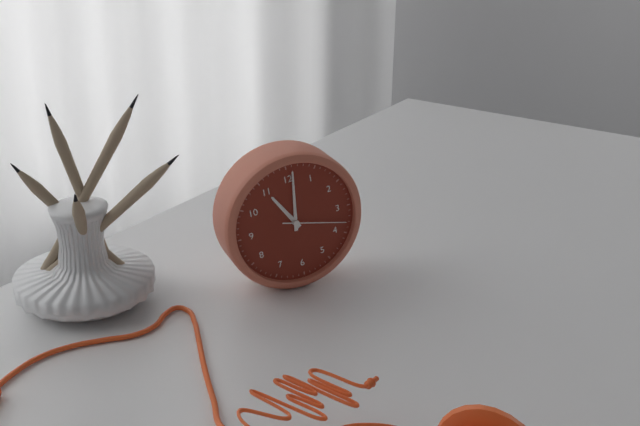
{"hour": 11, "minute": 1, "second": 18}
